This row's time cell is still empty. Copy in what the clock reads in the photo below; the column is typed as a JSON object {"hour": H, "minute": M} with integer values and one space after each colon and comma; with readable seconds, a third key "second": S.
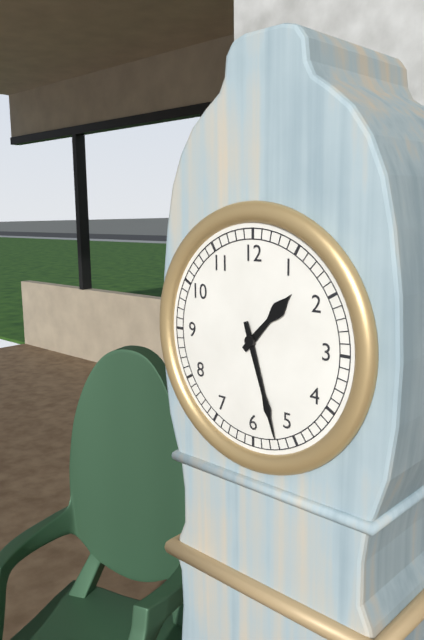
{"hour": 1, "minute": 27}
